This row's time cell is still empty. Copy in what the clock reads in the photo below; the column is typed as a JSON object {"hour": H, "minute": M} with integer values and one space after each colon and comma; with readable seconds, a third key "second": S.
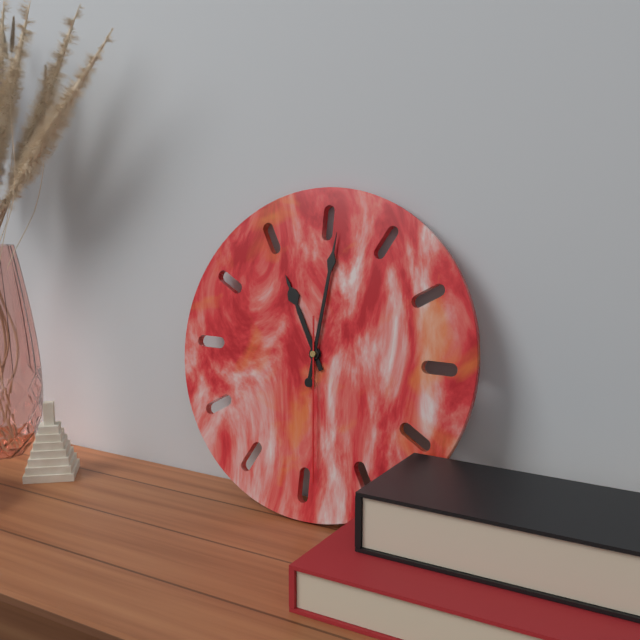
{"hour": 11, "minute": 1, "second": 29}
